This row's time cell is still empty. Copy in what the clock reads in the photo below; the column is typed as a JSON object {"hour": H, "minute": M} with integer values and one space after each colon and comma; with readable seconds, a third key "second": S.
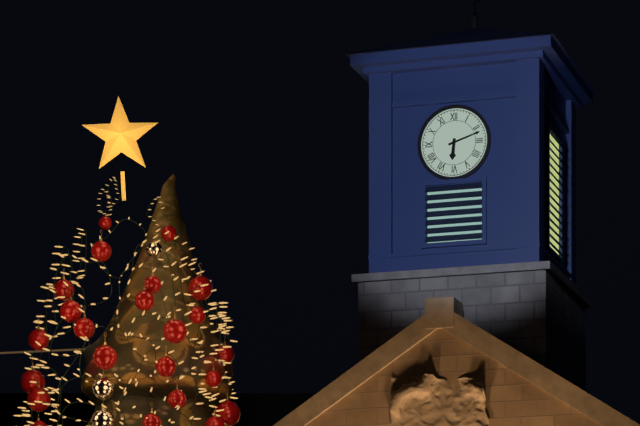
{"hour": 6, "minute": 12}
